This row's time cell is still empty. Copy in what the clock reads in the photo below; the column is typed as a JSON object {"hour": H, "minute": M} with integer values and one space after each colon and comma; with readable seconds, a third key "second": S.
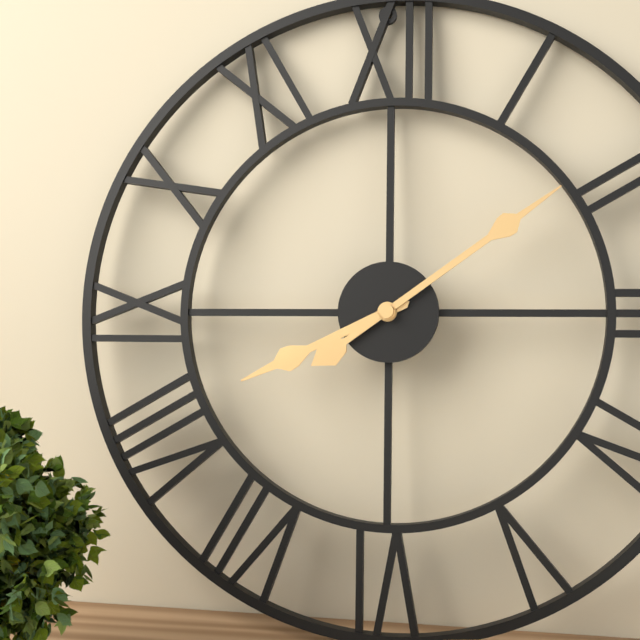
{"hour": 8, "minute": 9}
